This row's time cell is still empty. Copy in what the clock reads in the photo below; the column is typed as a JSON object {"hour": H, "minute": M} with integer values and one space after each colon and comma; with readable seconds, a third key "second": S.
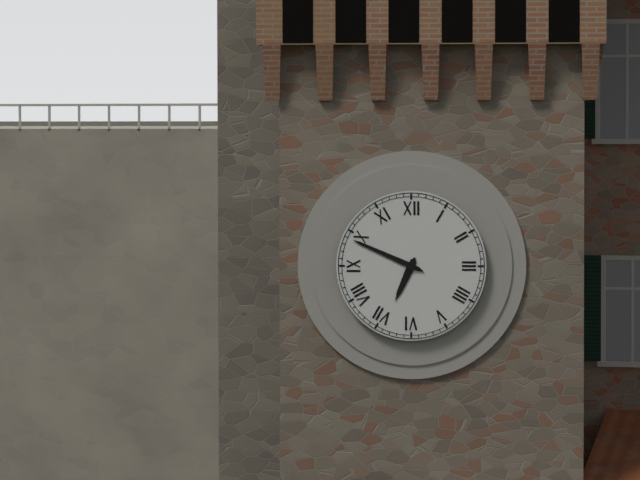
{"hour": 6, "minute": 49}
